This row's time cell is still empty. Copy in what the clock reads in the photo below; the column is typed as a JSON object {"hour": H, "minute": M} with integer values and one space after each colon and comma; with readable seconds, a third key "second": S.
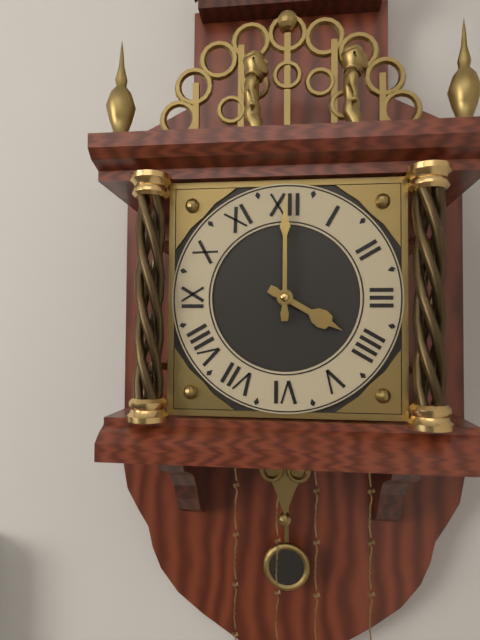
{"hour": 4, "minute": 0}
